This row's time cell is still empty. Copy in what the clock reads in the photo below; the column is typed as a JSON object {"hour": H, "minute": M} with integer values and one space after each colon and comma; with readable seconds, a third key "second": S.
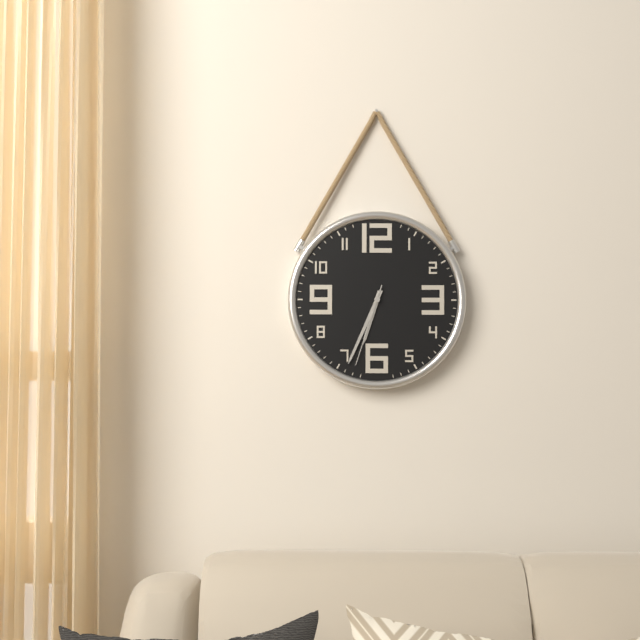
{"hour": 6, "minute": 34, "second": 33}
